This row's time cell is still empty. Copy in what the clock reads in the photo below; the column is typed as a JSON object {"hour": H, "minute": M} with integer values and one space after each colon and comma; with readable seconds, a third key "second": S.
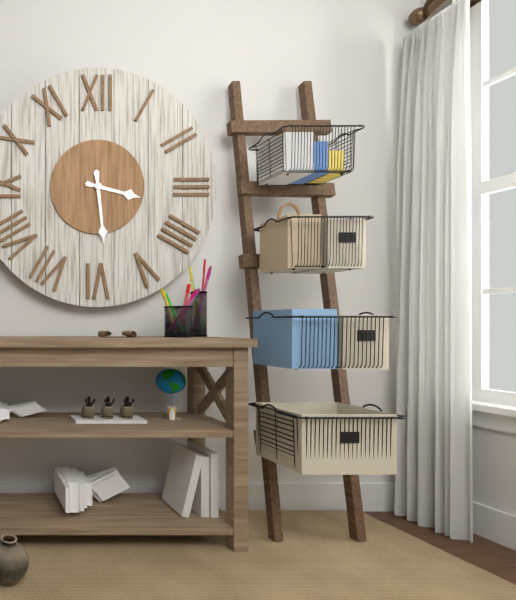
{"hour": 3, "minute": 29}
